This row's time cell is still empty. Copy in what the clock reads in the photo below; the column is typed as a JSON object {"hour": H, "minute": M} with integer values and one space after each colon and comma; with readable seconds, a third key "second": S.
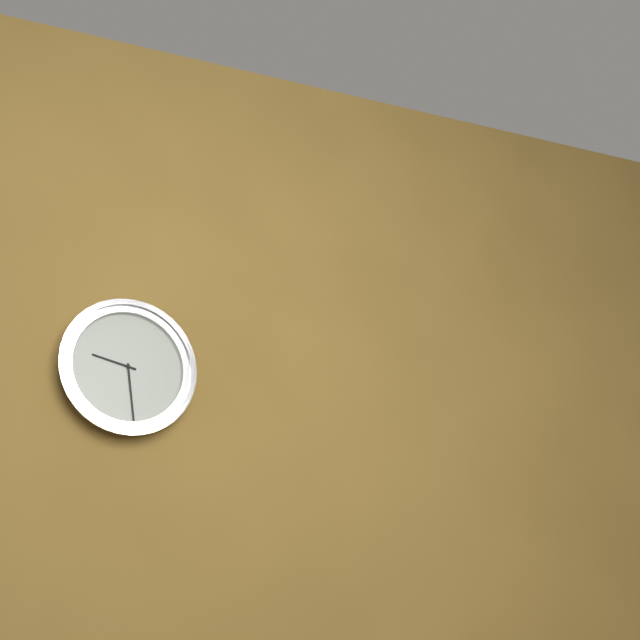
{"hour": 9, "minute": 29}
